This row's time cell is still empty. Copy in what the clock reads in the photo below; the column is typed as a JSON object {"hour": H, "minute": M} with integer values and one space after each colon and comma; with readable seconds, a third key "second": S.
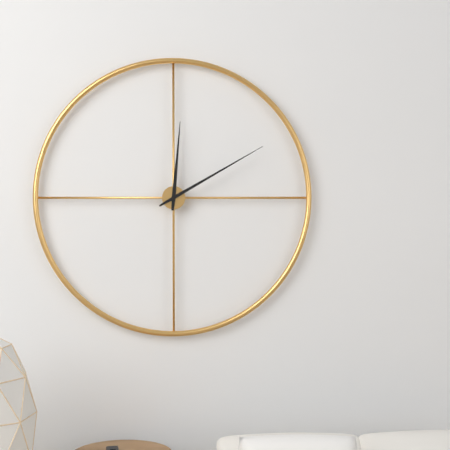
{"hour": 12, "minute": 10}
